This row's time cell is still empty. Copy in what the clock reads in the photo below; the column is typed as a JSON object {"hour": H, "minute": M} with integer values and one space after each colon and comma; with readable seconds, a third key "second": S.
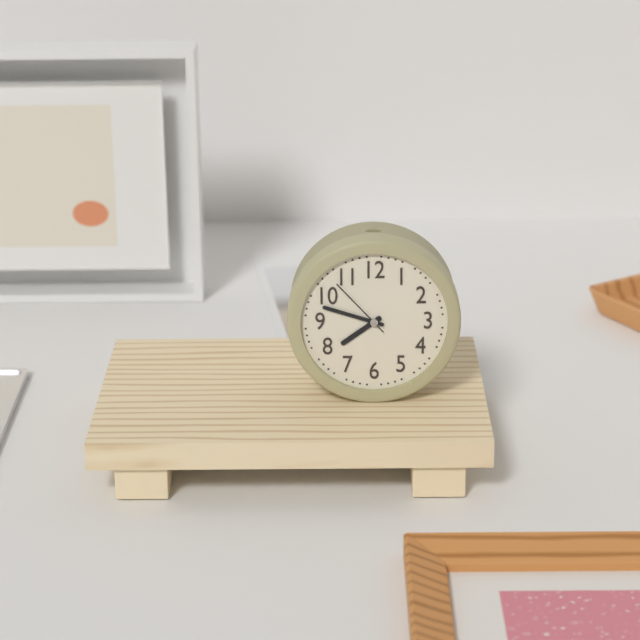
{"hour": 7, "minute": 48, "second": 53}
